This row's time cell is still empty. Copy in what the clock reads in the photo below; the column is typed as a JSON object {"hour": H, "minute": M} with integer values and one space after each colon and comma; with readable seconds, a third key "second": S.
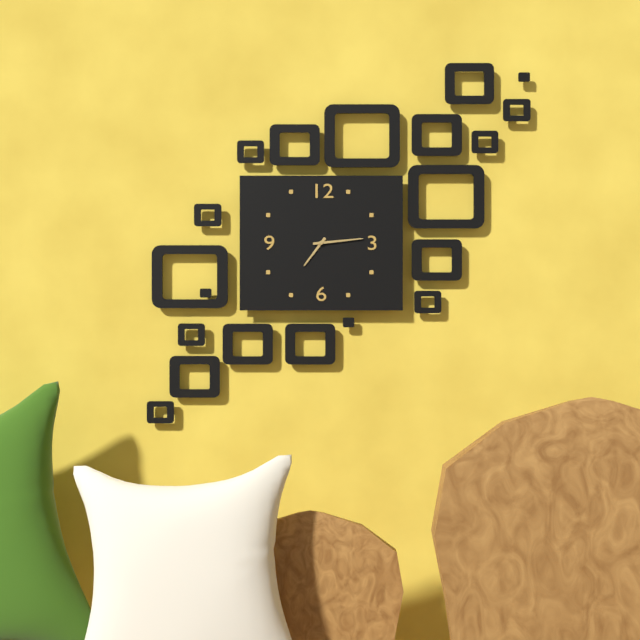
{"hour": 7, "minute": 14}
